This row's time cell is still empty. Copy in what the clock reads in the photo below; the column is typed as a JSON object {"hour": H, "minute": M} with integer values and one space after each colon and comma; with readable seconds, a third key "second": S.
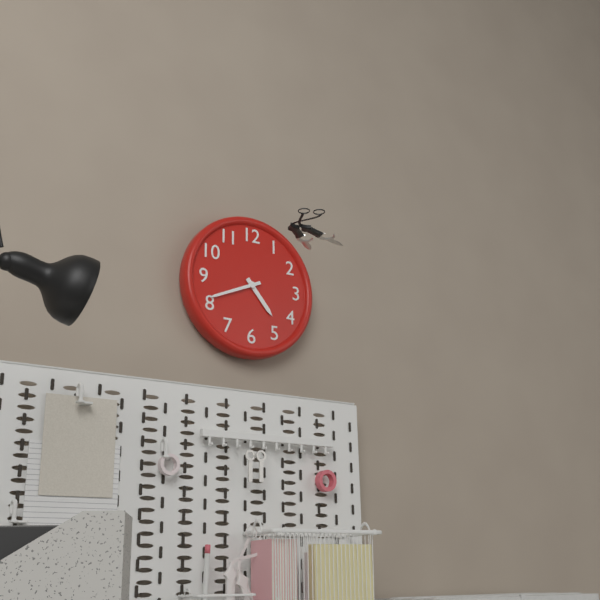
{"hour": 4, "minute": 41}
